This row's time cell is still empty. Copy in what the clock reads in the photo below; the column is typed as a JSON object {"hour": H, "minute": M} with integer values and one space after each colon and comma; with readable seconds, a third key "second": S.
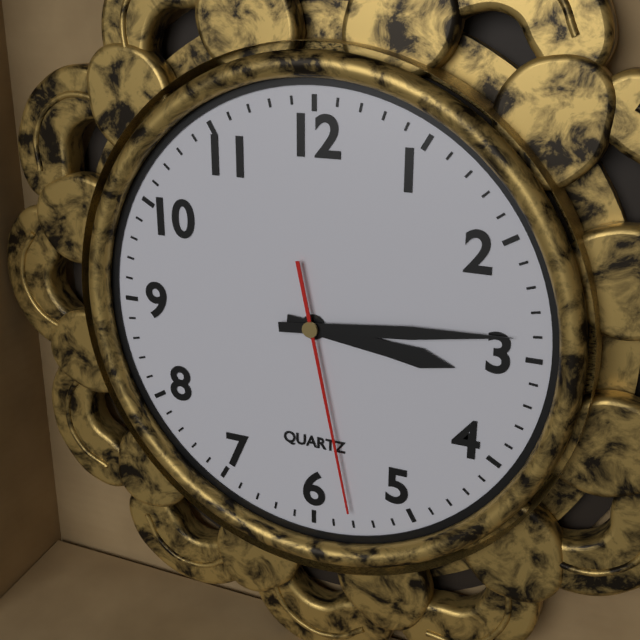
{"hour": 3, "minute": 14, "second": 28}
